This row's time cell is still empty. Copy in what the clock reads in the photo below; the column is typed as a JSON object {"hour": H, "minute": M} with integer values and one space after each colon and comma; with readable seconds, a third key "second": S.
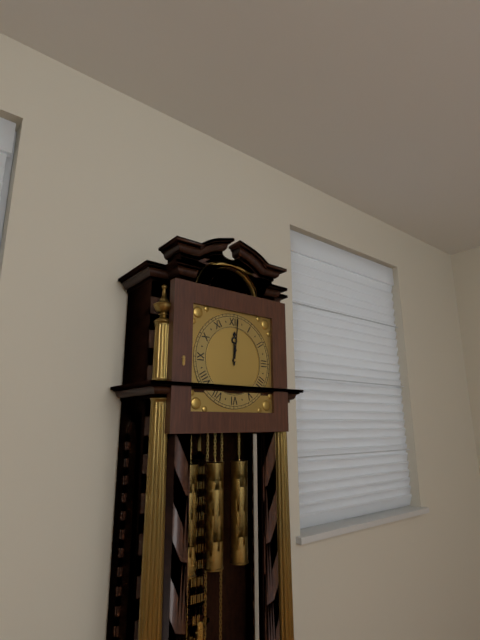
{"hour": 12, "minute": 1}
